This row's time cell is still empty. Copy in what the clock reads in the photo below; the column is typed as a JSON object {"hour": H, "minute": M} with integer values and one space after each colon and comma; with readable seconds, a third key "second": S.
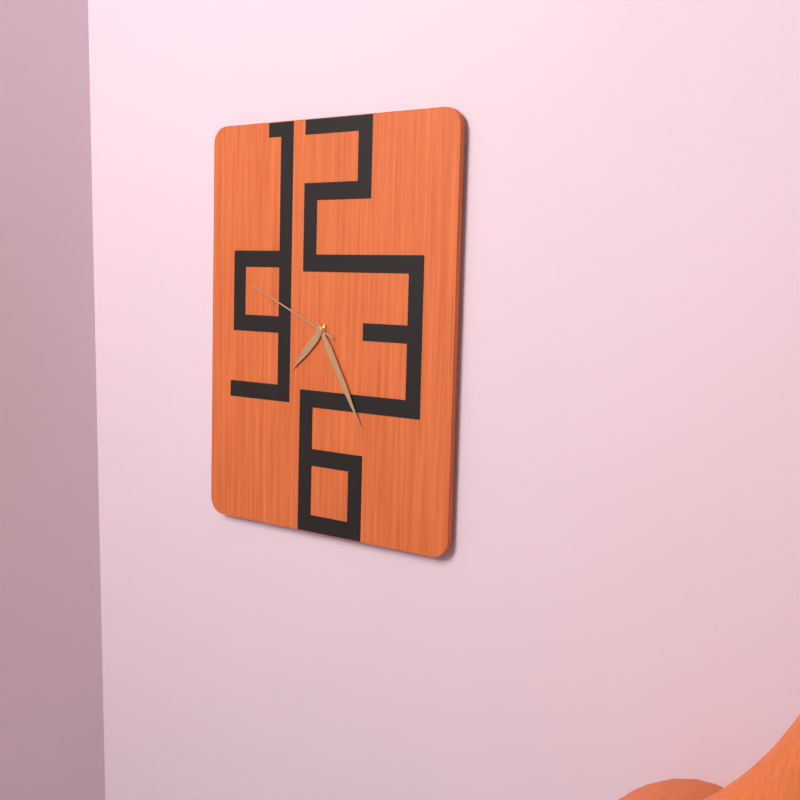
{"hour": 7, "minute": 25, "second": 49}
